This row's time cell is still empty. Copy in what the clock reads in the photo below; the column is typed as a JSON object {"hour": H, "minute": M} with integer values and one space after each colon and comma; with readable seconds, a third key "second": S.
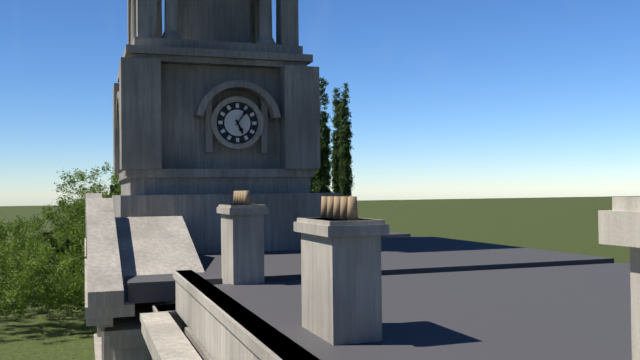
{"hour": 5, "minute": 6}
